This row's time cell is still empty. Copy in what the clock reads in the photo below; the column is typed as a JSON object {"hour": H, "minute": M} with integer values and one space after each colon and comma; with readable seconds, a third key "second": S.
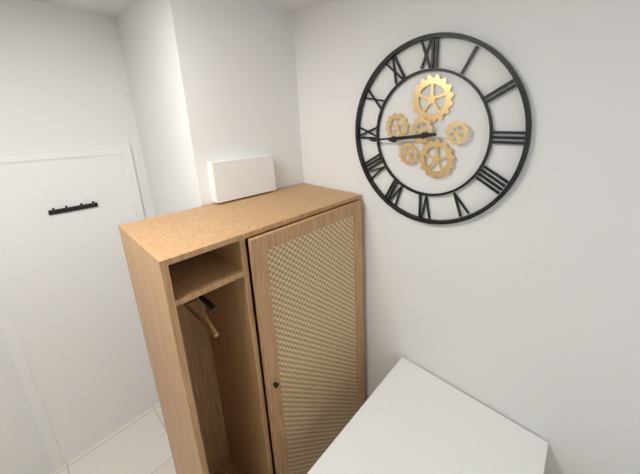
{"hour": 8, "minute": 44}
